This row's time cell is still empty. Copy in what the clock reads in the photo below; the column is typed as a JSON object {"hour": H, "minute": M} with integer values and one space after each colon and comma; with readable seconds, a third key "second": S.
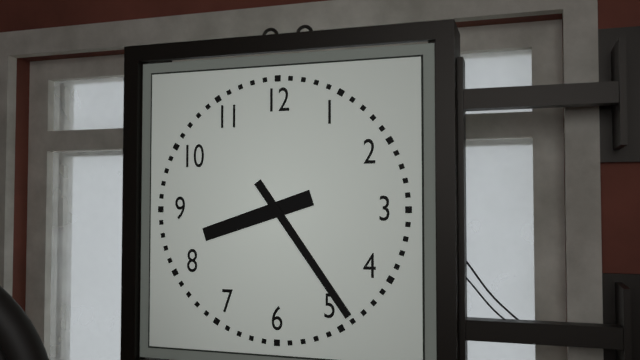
{"hour": 8, "minute": 24}
